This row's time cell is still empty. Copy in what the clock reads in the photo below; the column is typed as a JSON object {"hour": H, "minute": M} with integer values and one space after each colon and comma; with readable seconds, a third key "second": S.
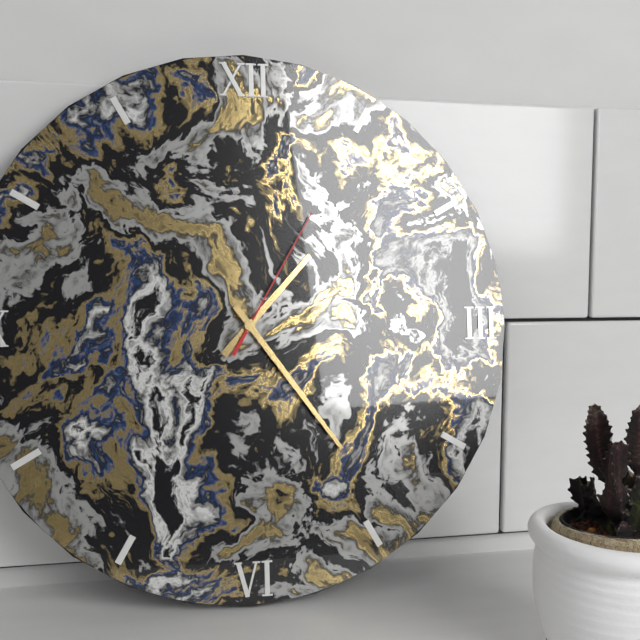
{"hour": 1, "minute": 24, "second": 5}
